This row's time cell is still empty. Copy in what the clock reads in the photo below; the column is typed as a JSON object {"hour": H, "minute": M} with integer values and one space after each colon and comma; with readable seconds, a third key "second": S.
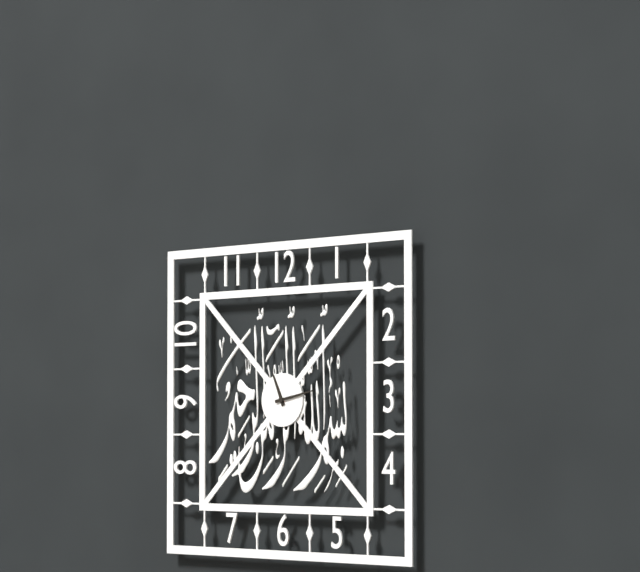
{"hour": 11, "minute": 13}
